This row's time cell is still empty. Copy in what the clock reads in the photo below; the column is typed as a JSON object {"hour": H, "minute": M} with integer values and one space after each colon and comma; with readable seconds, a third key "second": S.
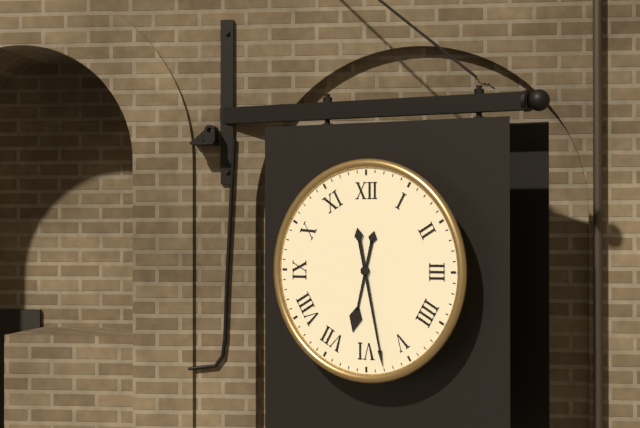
{"hour": 6, "minute": 28}
